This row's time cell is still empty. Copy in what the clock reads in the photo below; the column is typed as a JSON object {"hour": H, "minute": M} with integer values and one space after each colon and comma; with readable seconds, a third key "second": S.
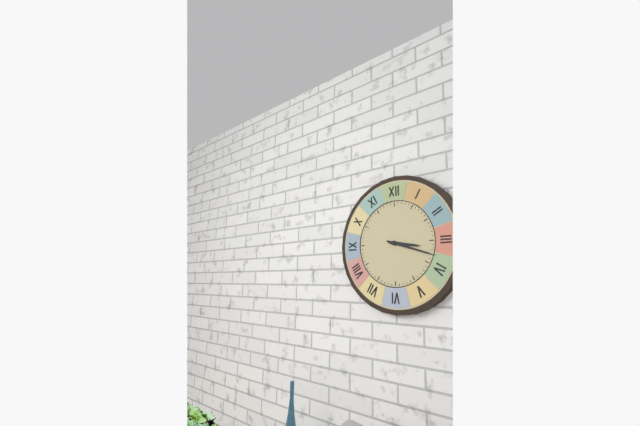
{"hour": 3, "minute": 18}
